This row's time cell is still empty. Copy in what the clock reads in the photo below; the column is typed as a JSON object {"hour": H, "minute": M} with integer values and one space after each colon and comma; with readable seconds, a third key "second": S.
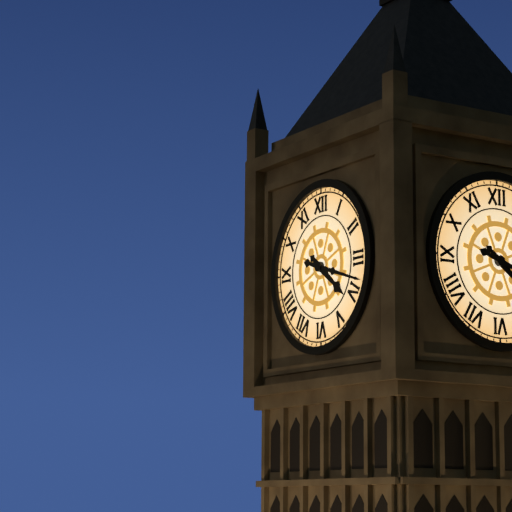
{"hour": 4, "minute": 18}
